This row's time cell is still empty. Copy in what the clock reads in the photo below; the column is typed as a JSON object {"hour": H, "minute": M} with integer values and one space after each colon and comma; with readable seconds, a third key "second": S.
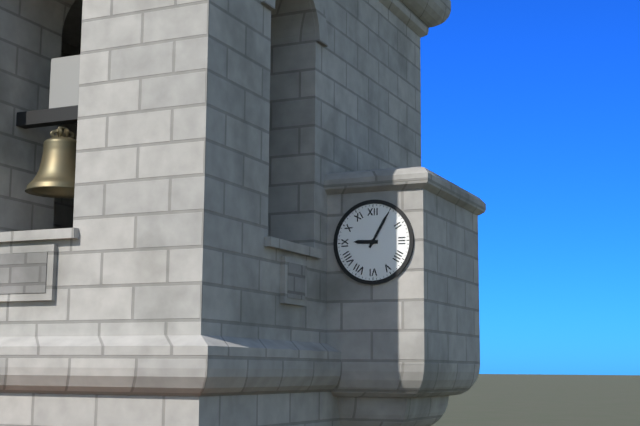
{"hour": 9, "minute": 5}
